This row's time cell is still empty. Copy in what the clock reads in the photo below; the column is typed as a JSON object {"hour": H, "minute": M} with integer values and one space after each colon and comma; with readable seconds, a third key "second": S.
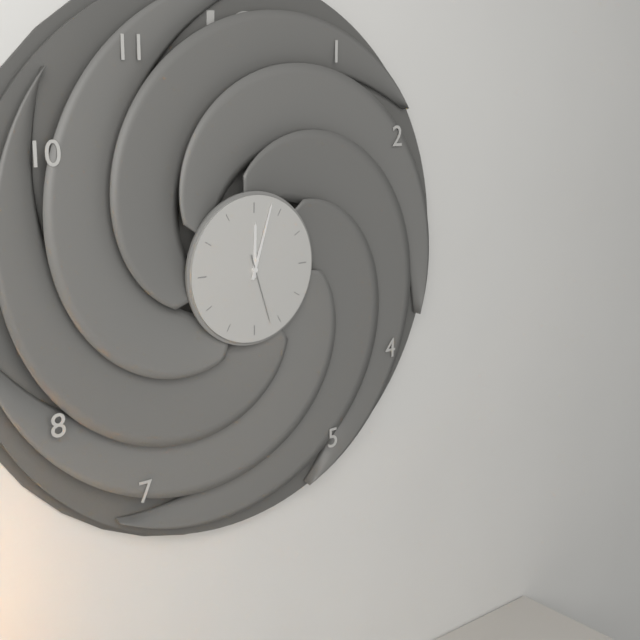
{"hour": 12, "minute": 3, "second": 27}
